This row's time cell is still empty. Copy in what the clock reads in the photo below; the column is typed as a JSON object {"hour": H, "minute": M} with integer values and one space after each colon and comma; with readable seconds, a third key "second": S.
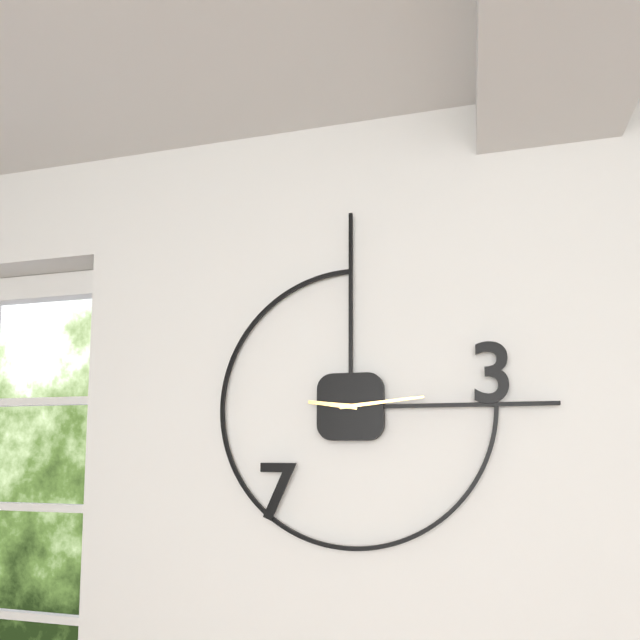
{"hour": 9, "minute": 14}
